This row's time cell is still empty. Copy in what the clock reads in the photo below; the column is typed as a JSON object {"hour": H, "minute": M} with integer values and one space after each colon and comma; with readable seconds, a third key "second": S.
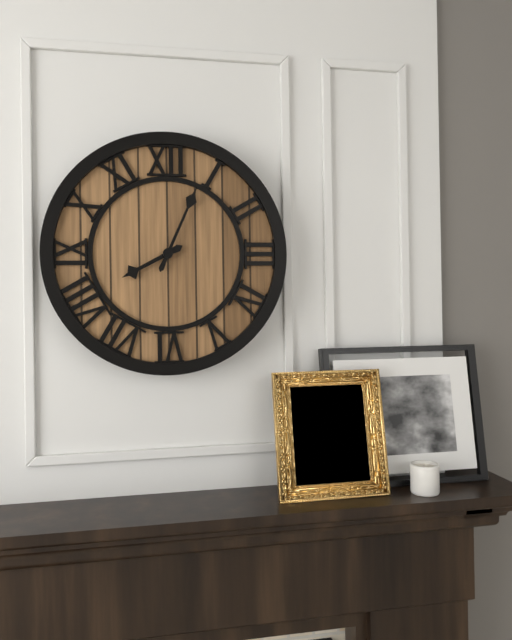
{"hour": 8, "minute": 4}
